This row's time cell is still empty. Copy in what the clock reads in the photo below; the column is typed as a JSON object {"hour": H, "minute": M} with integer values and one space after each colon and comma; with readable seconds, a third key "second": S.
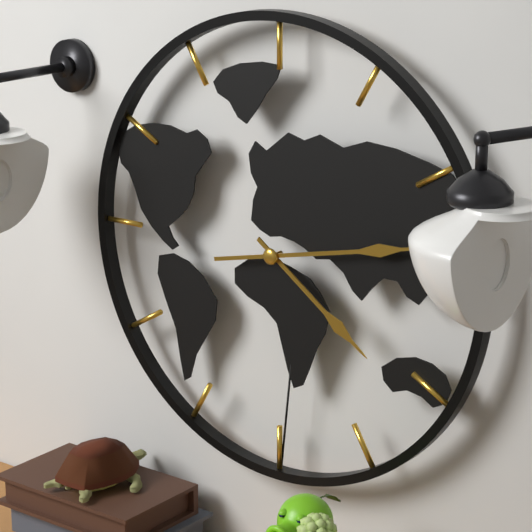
{"hour": 4, "minute": 13}
